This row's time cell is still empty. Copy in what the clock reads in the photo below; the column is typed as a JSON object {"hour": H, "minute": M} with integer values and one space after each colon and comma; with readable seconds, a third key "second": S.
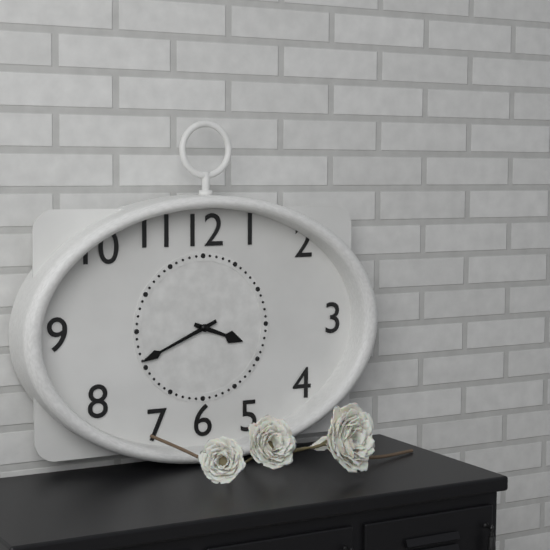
{"hour": 3, "minute": 41}
